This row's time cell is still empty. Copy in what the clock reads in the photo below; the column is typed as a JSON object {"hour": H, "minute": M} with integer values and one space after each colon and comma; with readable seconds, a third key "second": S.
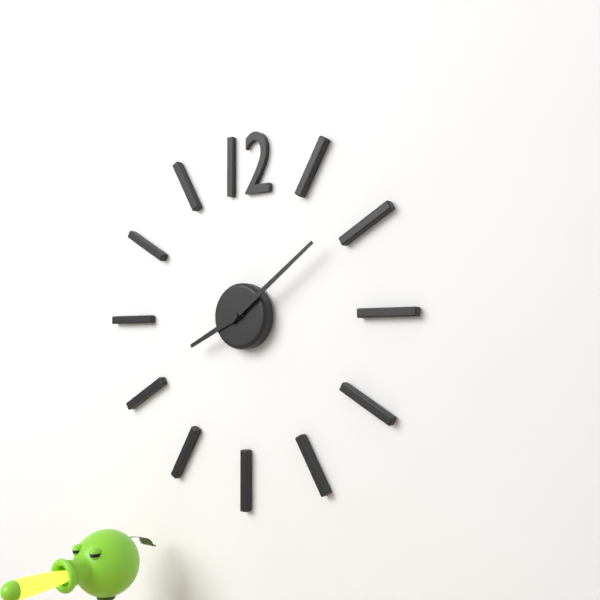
{"hour": 8, "minute": 9}
